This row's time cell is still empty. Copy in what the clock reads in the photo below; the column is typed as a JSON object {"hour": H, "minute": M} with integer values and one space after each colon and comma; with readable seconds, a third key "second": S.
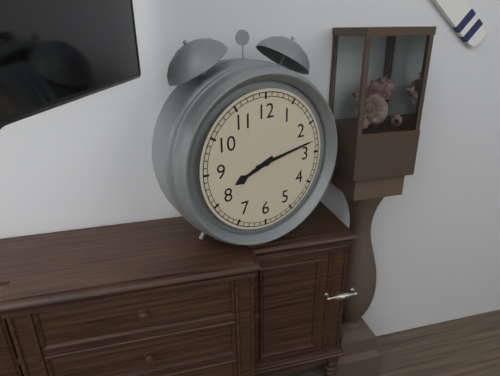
{"hour": 8, "minute": 13}
